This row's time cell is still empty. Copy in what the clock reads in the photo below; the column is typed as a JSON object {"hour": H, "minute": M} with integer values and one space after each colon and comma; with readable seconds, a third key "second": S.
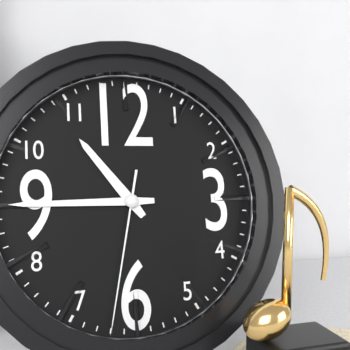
{"hour": 10, "minute": 45, "second": 32}
